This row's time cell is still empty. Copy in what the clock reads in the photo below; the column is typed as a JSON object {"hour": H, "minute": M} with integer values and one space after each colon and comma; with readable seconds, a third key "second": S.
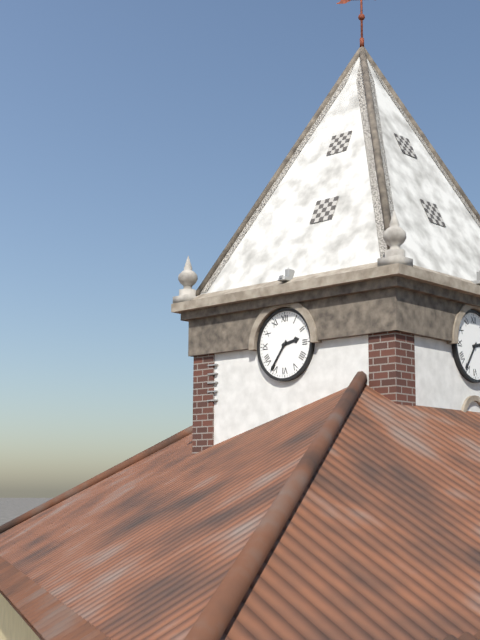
{"hour": 2, "minute": 36}
